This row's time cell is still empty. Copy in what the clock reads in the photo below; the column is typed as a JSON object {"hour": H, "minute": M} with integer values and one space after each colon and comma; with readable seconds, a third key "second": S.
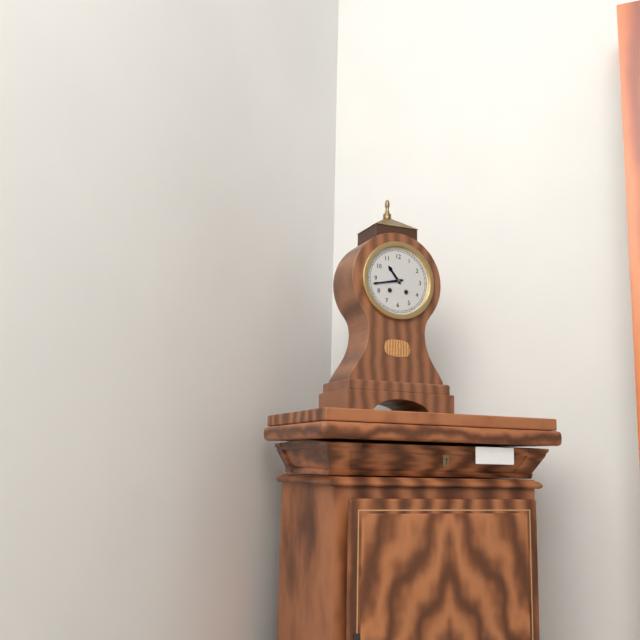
{"hour": 10, "minute": 43}
